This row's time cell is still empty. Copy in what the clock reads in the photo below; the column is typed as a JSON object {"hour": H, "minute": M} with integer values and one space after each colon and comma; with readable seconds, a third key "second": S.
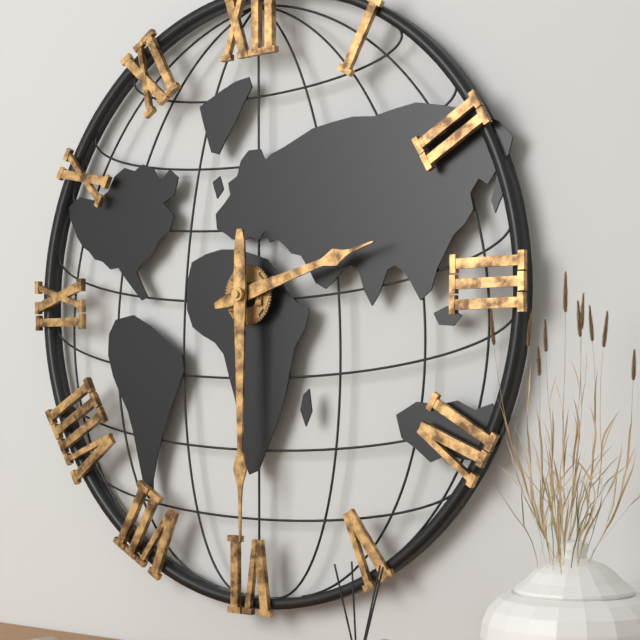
{"hour": 2, "minute": 30}
